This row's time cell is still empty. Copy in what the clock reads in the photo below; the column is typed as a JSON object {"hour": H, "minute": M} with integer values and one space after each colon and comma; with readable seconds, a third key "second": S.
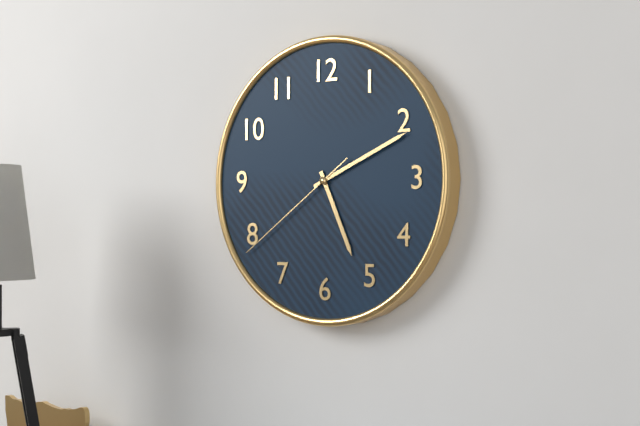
{"hour": 5, "minute": 11, "second": 39}
